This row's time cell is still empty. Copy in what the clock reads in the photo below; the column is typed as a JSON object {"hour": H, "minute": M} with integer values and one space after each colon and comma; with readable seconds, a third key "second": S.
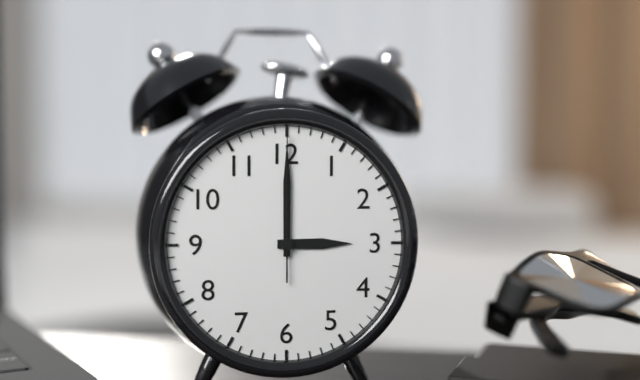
{"hour": 3, "minute": 0, "second": 0}
